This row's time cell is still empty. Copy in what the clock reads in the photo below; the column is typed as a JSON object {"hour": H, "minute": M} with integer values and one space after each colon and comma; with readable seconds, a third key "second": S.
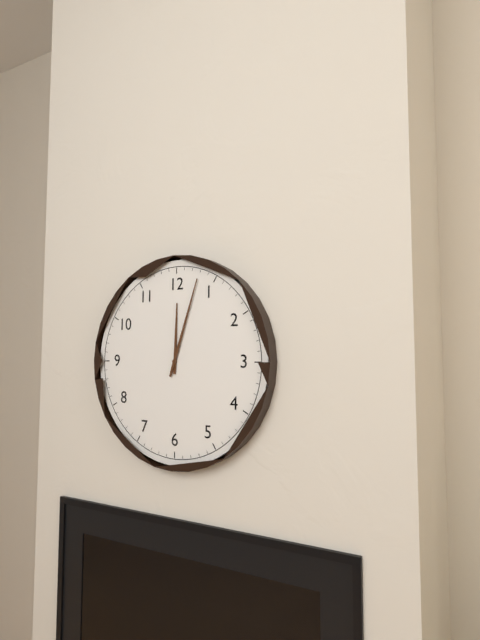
{"hour": 12, "minute": 3}
